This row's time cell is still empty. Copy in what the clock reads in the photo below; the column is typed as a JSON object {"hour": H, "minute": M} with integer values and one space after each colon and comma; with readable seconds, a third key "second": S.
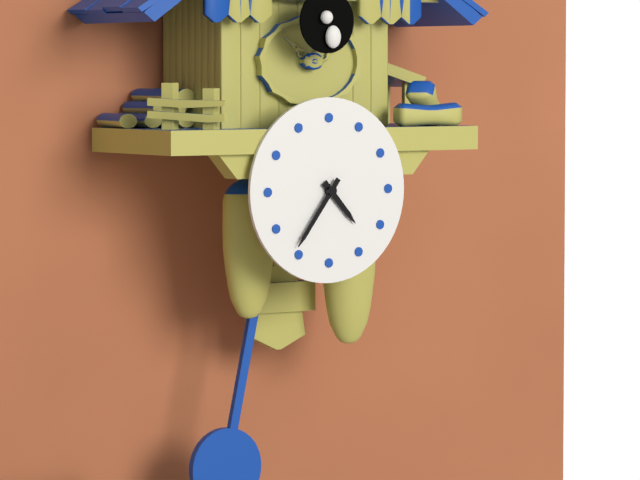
{"hour": 4, "minute": 36}
